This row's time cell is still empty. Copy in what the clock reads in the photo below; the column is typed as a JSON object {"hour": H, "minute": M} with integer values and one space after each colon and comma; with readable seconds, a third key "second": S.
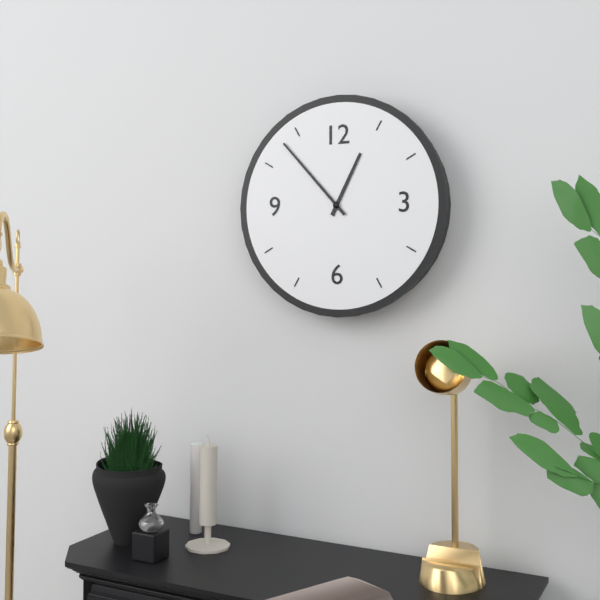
{"hour": 12, "minute": 53}
